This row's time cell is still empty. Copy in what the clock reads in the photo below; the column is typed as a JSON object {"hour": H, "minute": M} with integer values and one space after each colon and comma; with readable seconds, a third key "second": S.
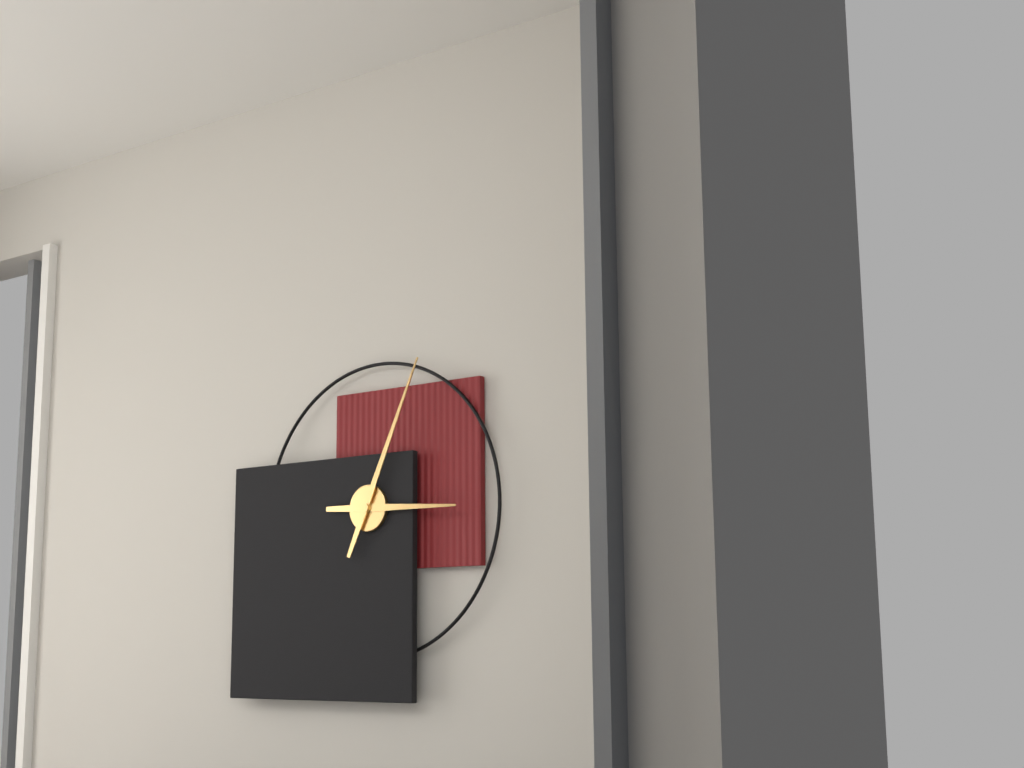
{"hour": 3, "minute": 4}
